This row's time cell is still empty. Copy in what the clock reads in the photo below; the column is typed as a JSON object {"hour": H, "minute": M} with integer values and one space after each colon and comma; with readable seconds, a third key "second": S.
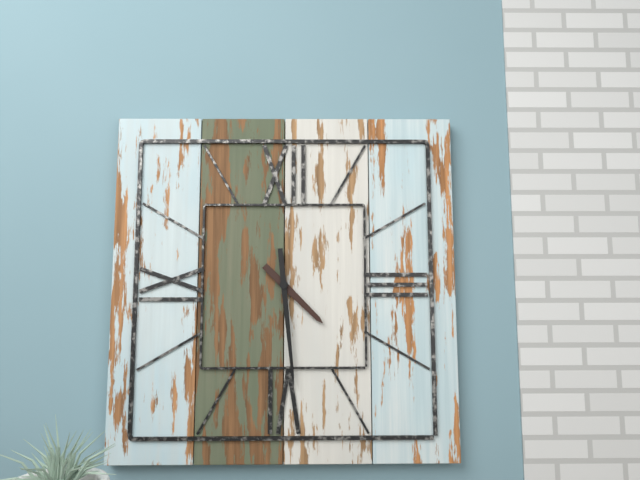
{"hour": 4, "minute": 29}
